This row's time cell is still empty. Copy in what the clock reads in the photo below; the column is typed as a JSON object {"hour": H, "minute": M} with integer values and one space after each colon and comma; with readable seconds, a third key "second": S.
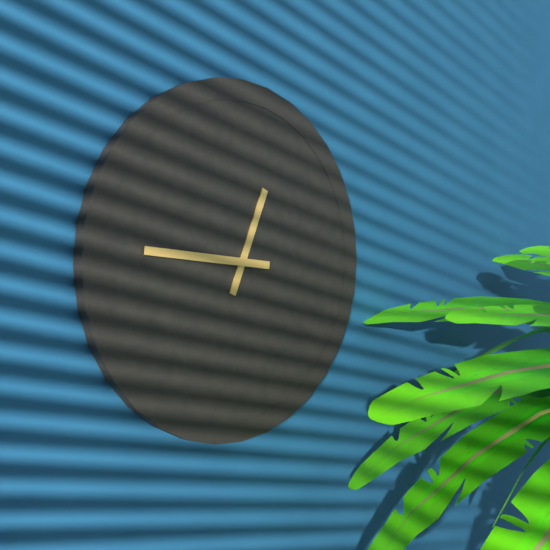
{"hour": 12, "minute": 46}
